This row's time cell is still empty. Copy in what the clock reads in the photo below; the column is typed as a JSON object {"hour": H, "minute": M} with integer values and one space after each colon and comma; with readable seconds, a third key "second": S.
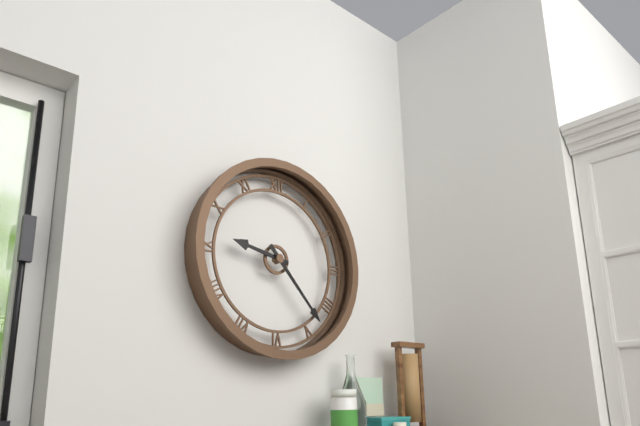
{"hour": 9, "minute": 23}
